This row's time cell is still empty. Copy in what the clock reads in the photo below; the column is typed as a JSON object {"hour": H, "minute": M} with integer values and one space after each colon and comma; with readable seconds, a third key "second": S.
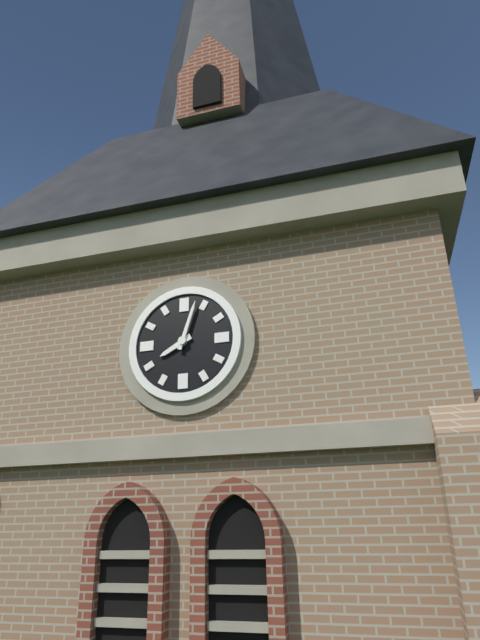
{"hour": 8, "minute": 3}
